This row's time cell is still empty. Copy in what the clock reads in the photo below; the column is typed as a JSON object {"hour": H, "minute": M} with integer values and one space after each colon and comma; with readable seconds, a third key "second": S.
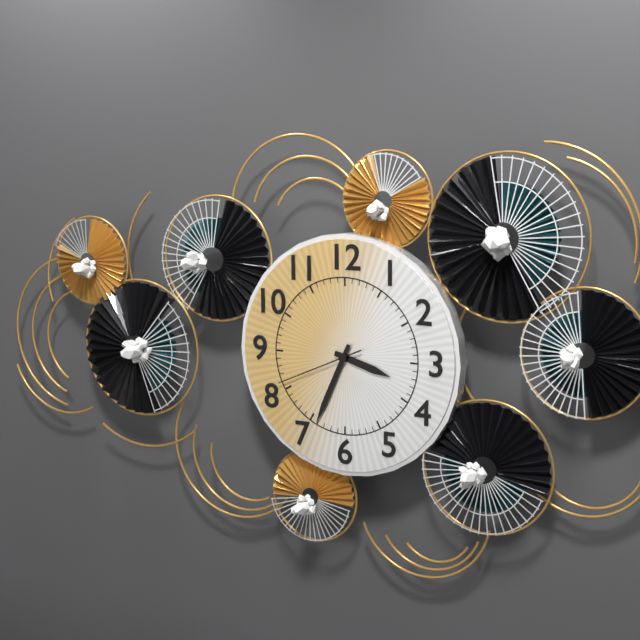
{"hour": 3, "minute": 34, "second": 41}
